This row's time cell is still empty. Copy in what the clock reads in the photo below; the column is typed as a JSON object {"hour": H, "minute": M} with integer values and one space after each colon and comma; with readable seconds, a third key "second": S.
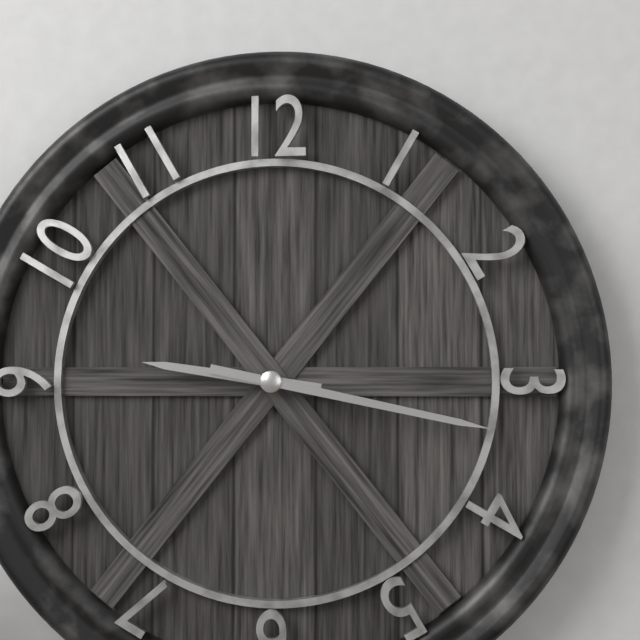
{"hour": 9, "minute": 17}
